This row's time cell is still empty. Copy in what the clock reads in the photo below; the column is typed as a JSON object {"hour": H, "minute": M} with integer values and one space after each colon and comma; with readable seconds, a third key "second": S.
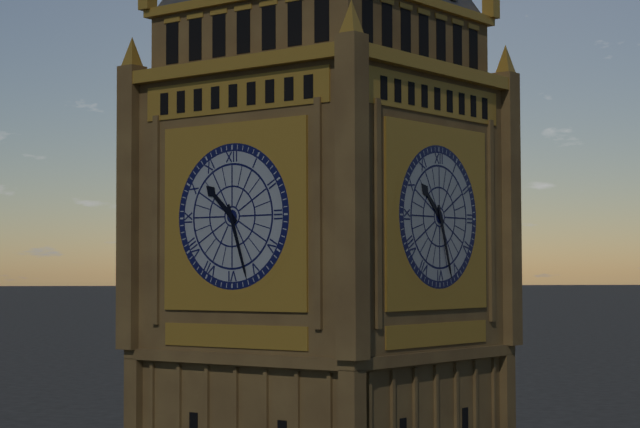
{"hour": 10, "minute": 27}
